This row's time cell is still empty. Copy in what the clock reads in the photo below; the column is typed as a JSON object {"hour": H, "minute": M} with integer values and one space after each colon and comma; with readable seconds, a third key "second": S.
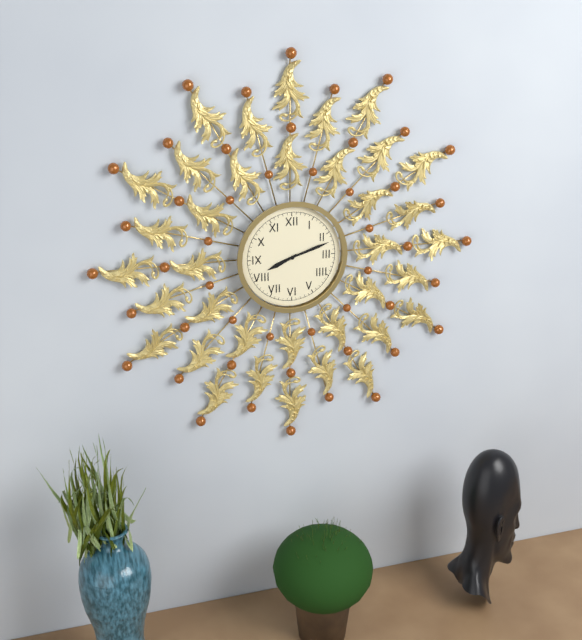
{"hour": 8, "minute": 12}
